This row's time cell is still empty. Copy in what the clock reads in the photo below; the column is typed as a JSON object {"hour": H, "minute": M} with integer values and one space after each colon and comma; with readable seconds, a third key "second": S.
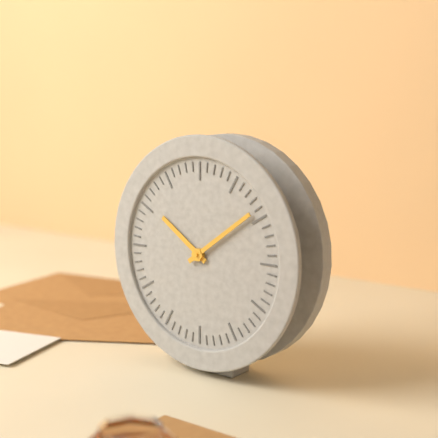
{"hour": 10, "minute": 9}
